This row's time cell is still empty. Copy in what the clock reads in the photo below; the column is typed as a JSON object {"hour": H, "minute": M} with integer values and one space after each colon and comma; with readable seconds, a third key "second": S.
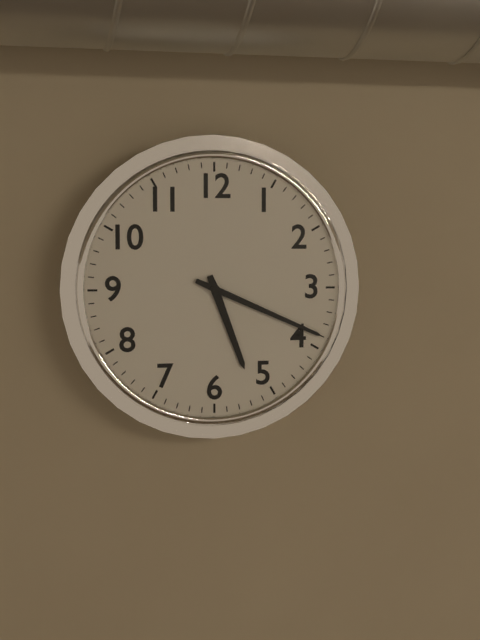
{"hour": 5, "minute": 19}
